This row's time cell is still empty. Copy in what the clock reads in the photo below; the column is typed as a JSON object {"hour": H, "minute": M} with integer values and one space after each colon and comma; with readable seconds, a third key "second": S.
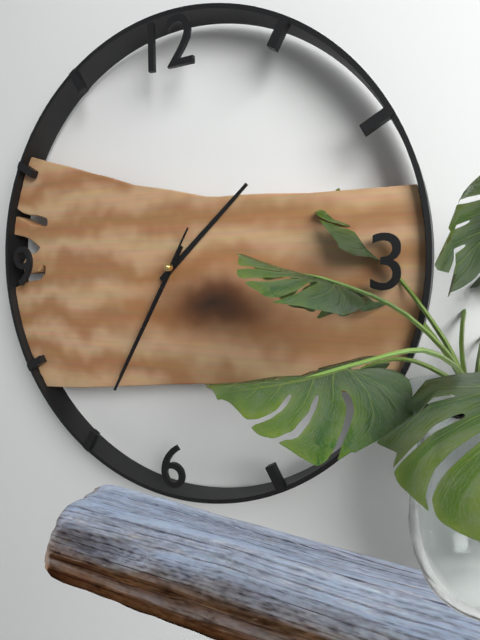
{"hour": 1, "minute": 35, "second": 35}
